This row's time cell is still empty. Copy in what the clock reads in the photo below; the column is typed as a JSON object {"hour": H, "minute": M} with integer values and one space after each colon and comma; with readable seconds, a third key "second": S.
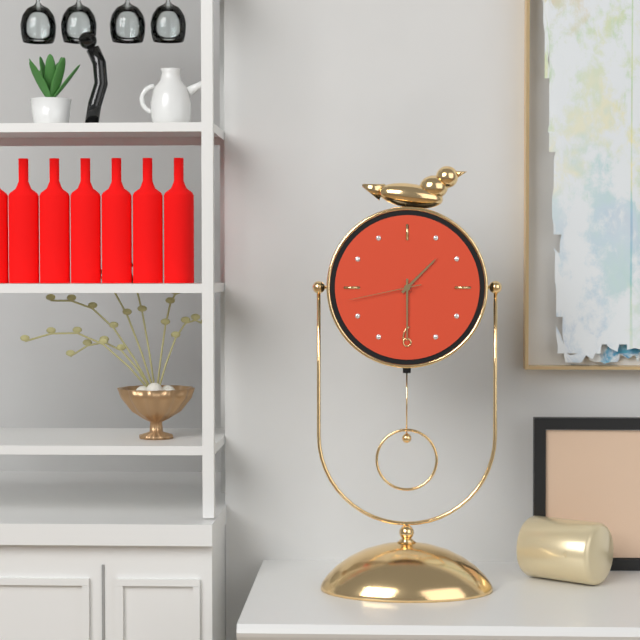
{"hour": 1, "minute": 30, "second": 43}
